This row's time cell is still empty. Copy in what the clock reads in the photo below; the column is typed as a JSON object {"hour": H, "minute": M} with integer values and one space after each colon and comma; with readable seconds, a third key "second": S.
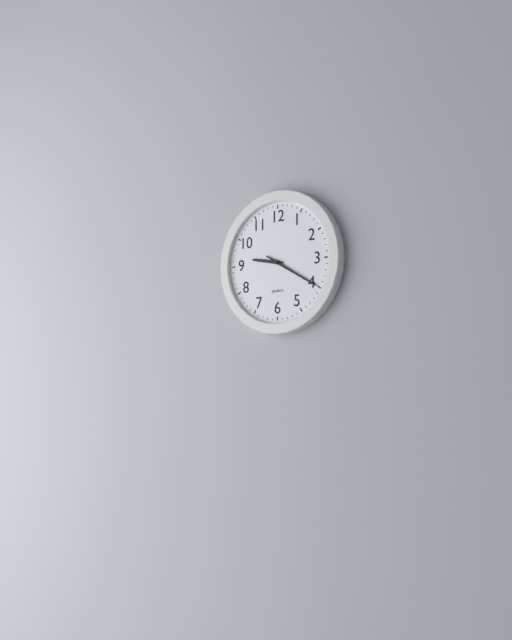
{"hour": 9, "minute": 20}
